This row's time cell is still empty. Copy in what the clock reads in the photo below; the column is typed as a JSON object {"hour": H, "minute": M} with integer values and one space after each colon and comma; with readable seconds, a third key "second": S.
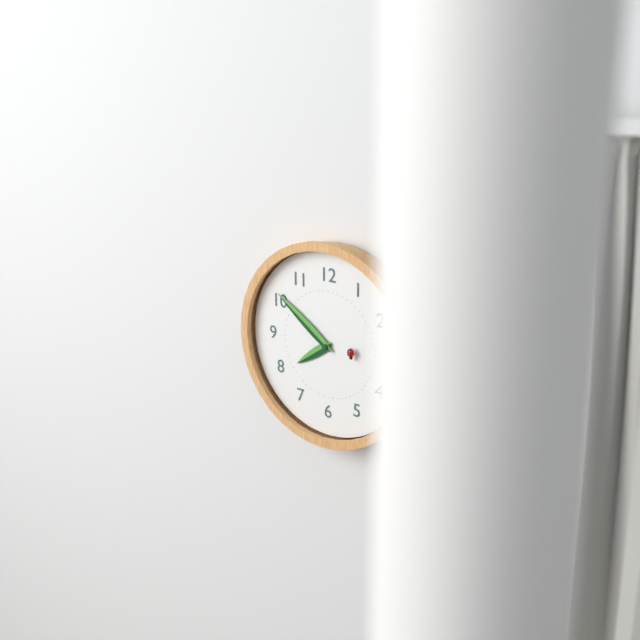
{"hour": 7, "minute": 51}
